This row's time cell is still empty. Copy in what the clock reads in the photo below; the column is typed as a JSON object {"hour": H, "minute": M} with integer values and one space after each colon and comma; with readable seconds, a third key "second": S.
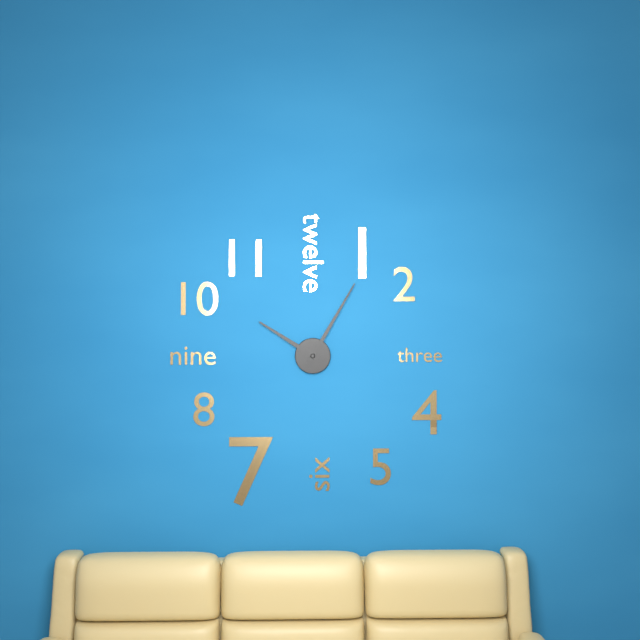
{"hour": 10, "minute": 5}
